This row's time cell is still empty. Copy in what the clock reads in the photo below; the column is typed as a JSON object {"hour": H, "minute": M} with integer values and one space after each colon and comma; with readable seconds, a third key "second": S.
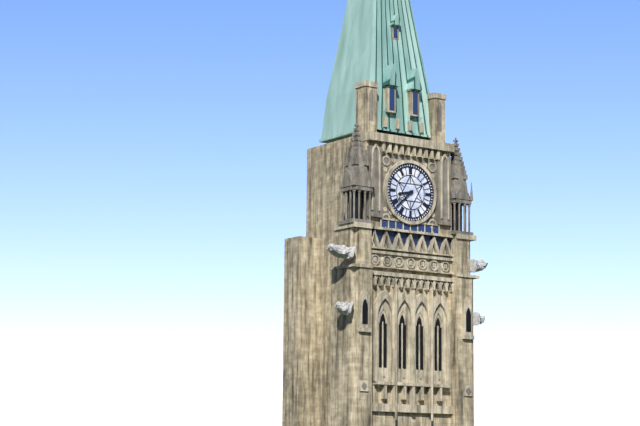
{"hour": 8, "minute": 38}
